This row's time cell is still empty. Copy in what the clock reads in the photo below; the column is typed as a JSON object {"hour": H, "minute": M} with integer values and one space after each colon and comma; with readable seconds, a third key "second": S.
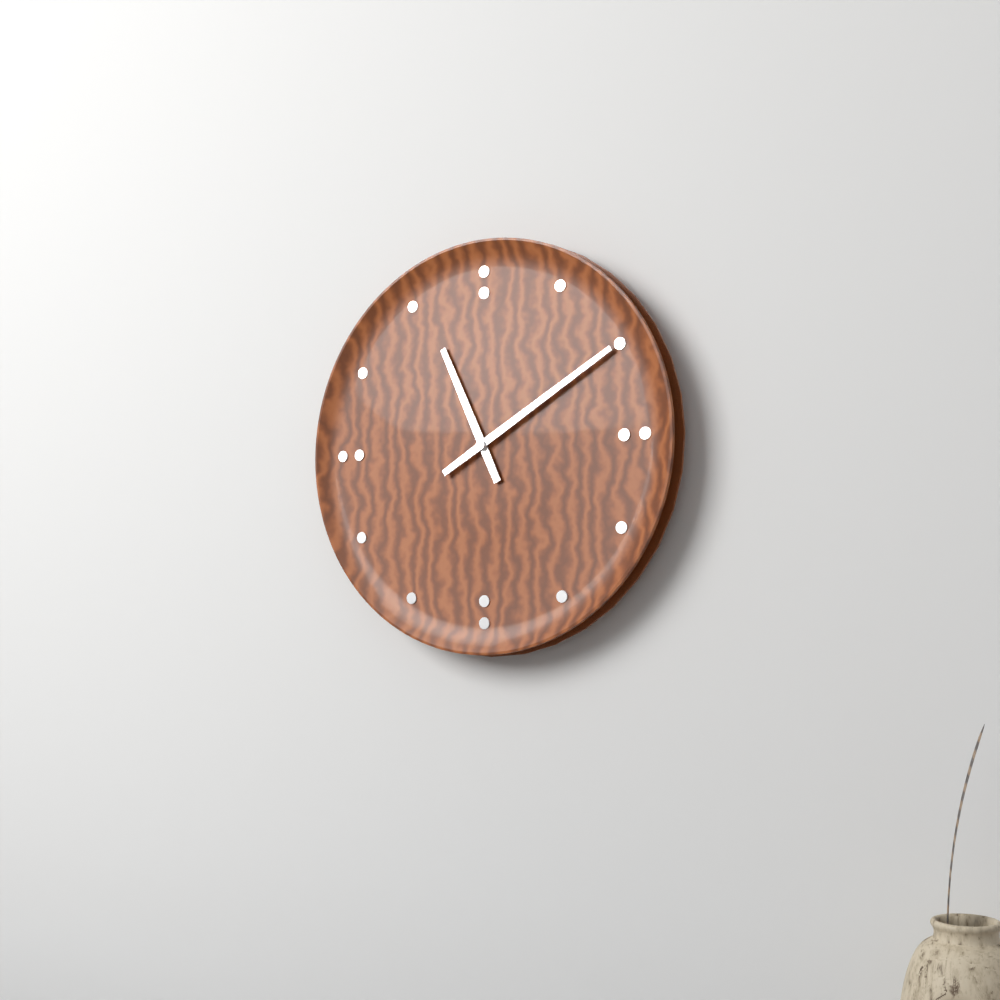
{"hour": 11, "minute": 10}
